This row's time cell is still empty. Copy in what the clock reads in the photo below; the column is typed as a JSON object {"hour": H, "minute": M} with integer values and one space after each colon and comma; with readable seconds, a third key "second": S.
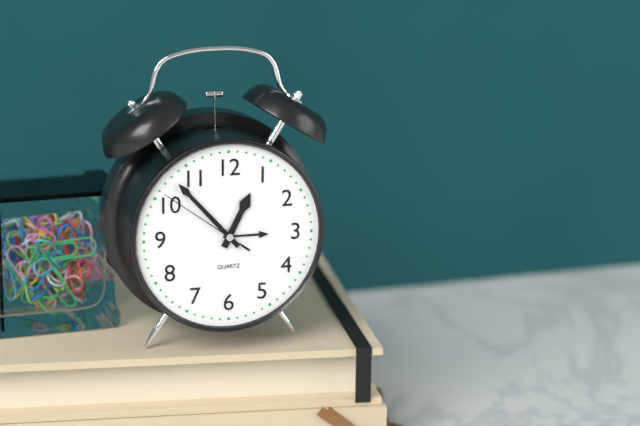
{"hour": 12, "minute": 53, "second": 51}
